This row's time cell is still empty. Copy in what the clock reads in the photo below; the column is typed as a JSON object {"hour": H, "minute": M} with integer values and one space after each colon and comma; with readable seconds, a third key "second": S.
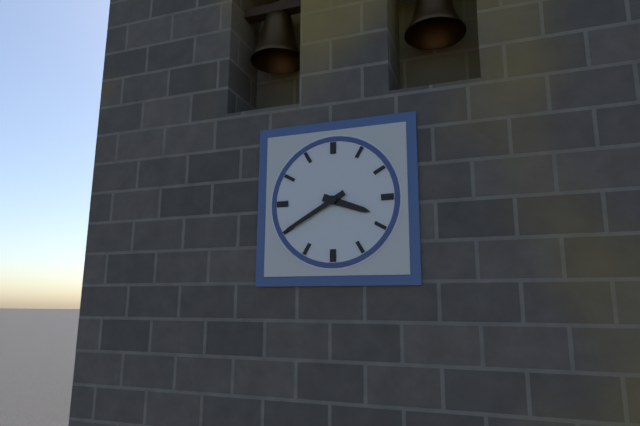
{"hour": 3, "minute": 40}
